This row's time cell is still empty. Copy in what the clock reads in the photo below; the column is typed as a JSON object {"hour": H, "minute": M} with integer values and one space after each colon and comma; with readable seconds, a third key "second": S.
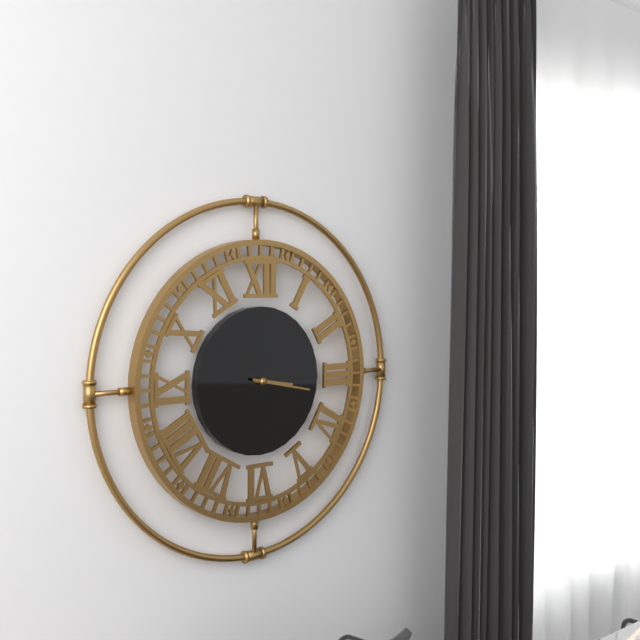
{"hour": 3, "minute": 17}
